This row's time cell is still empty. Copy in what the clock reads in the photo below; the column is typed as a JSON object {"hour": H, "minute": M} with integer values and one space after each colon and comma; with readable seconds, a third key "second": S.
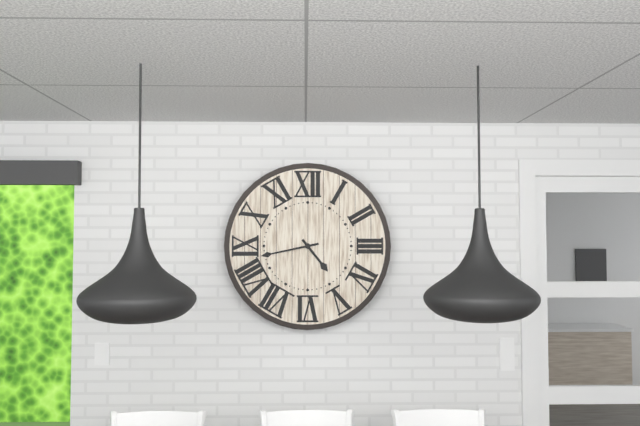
{"hour": 4, "minute": 43}
